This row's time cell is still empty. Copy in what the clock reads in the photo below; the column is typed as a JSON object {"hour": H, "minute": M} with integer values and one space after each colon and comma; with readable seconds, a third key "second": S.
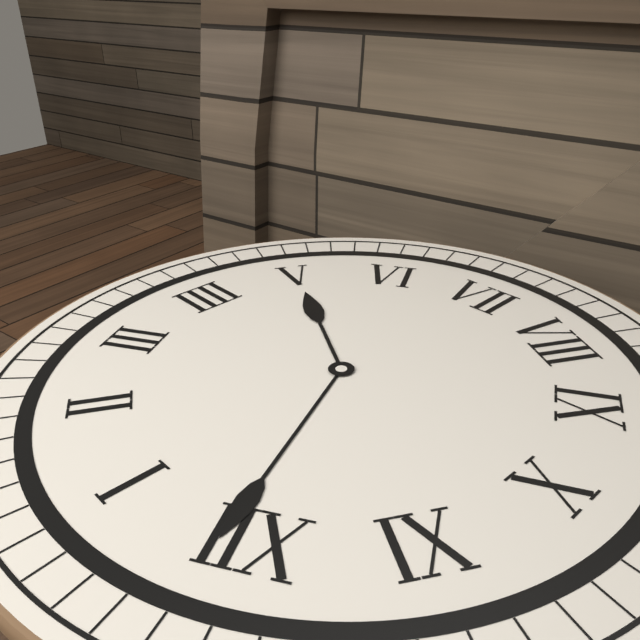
{"hour": 5, "minute": 1}
